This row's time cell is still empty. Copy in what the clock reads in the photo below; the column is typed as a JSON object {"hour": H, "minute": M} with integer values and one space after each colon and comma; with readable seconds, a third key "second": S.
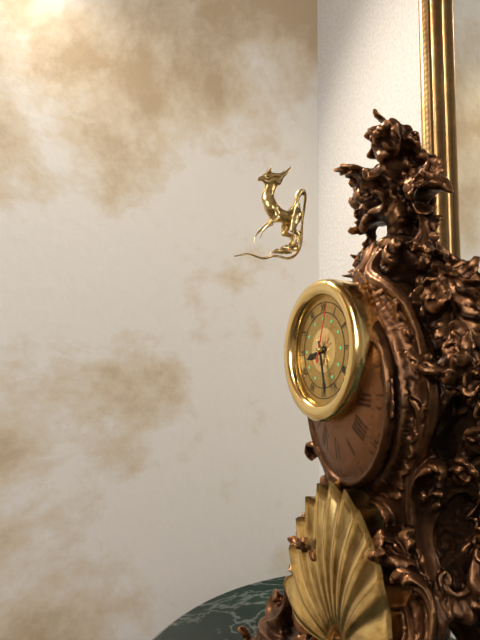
{"hour": 8, "minute": 28, "second": 3}
